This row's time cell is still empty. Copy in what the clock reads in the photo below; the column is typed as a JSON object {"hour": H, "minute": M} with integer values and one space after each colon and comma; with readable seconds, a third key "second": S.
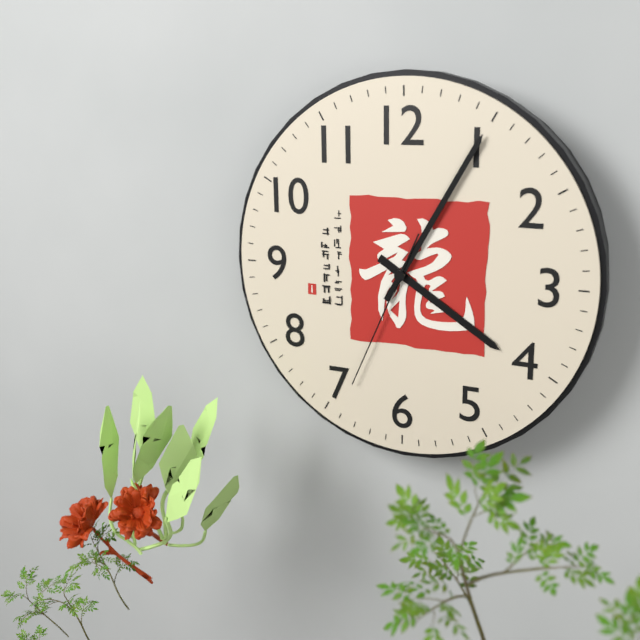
{"hour": 4, "minute": 5, "second": 34}
